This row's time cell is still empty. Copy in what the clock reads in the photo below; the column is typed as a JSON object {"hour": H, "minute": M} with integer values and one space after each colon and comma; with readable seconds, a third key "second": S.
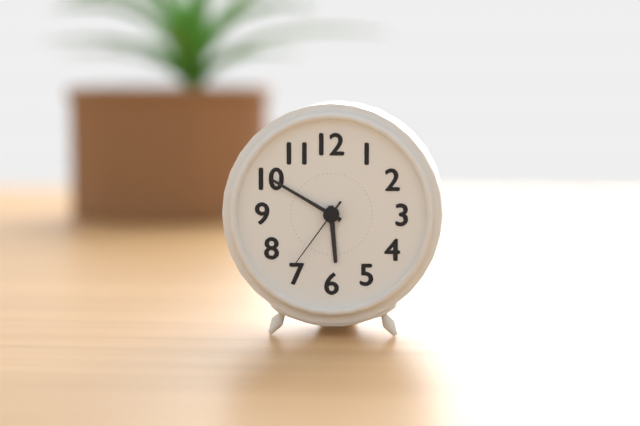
{"hour": 5, "minute": 50, "second": 36}
